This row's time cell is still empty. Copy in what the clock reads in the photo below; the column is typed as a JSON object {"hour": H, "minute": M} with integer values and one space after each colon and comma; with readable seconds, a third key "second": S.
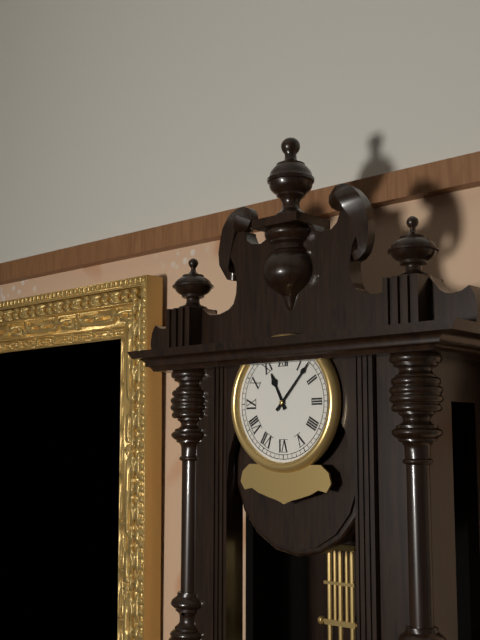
{"hour": 11, "minute": 7}
